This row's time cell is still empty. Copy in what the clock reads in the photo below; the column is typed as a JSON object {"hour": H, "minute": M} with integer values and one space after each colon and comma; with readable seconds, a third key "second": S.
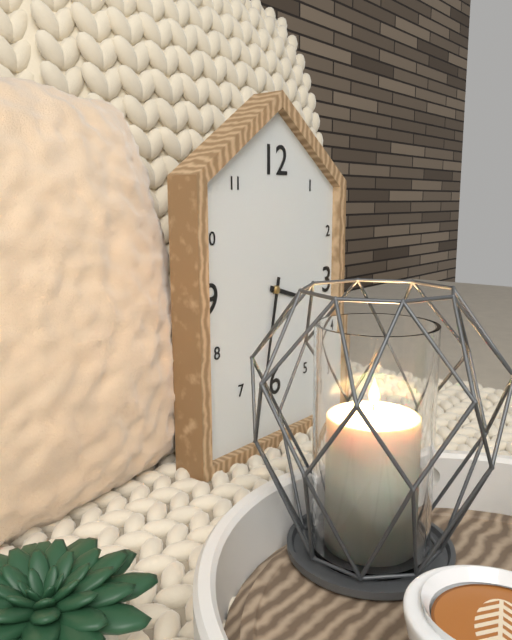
{"hour": 3, "minute": 32}
